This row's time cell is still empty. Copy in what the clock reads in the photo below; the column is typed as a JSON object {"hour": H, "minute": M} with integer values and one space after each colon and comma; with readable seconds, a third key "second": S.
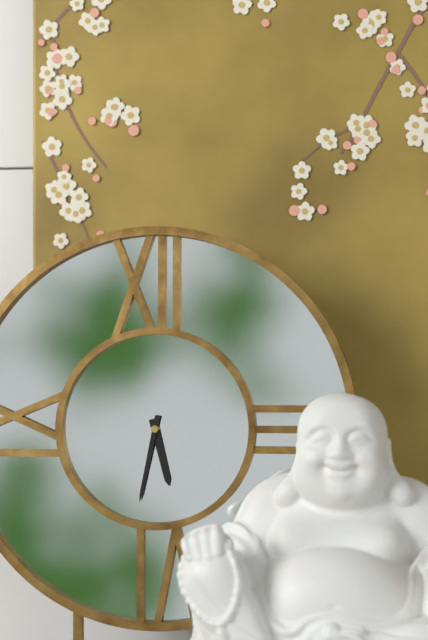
{"hour": 5, "minute": 32}
